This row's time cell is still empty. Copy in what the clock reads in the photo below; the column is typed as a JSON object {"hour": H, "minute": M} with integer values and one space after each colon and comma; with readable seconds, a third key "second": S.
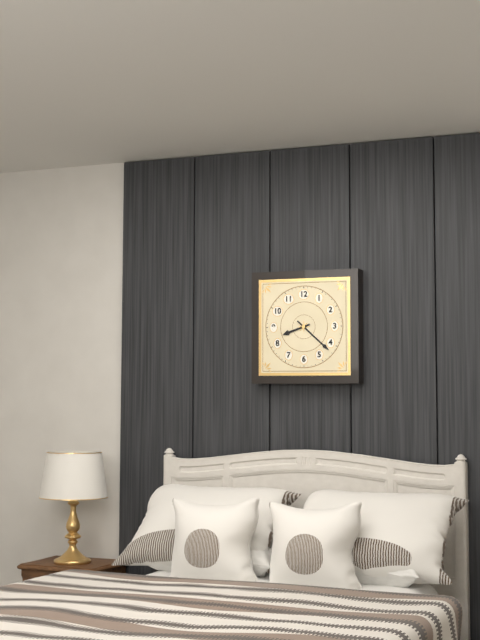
{"hour": 8, "minute": 22}
